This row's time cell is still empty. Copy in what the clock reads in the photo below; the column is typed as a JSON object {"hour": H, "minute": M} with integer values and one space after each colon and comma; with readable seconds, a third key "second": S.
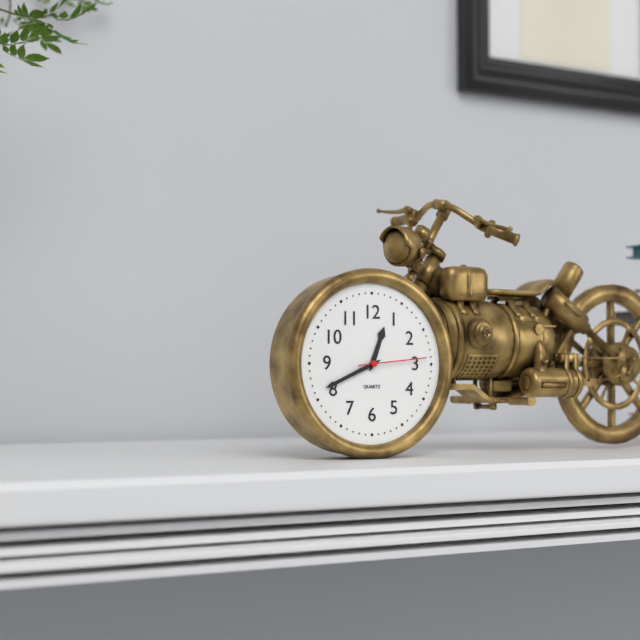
{"hour": 12, "minute": 41, "second": 14}
